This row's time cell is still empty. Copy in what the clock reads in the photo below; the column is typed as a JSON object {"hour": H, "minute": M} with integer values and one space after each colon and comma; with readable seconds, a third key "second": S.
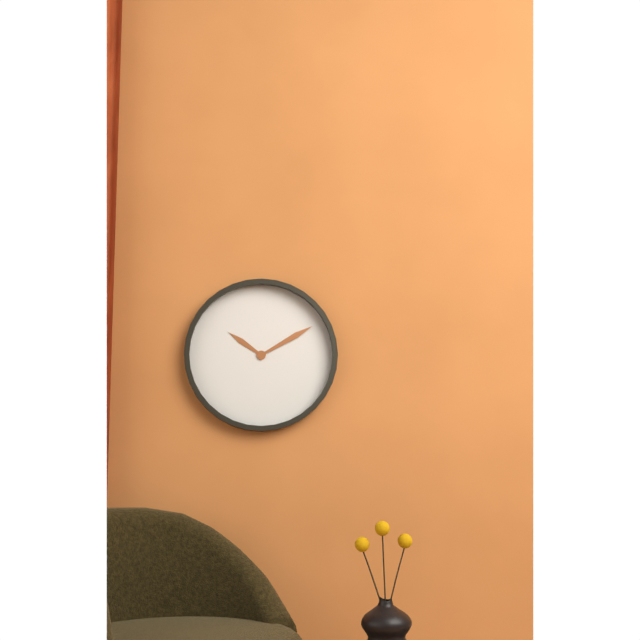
{"hour": 10, "minute": 10}
